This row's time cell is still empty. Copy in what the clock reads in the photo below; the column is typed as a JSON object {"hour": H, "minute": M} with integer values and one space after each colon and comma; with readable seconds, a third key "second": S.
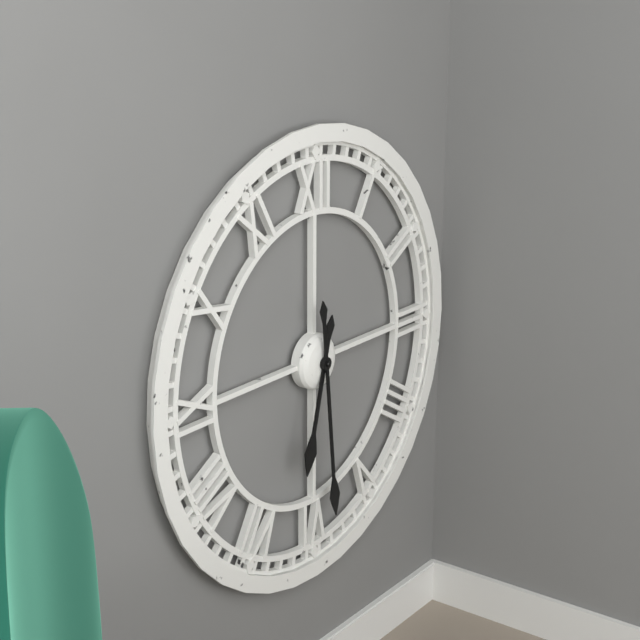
{"hour": 6, "minute": 29}
